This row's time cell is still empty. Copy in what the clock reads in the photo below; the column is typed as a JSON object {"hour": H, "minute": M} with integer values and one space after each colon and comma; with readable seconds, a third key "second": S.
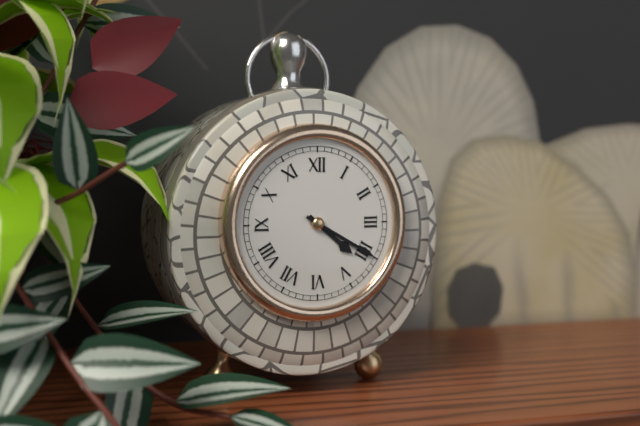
{"hour": 4, "minute": 20}
